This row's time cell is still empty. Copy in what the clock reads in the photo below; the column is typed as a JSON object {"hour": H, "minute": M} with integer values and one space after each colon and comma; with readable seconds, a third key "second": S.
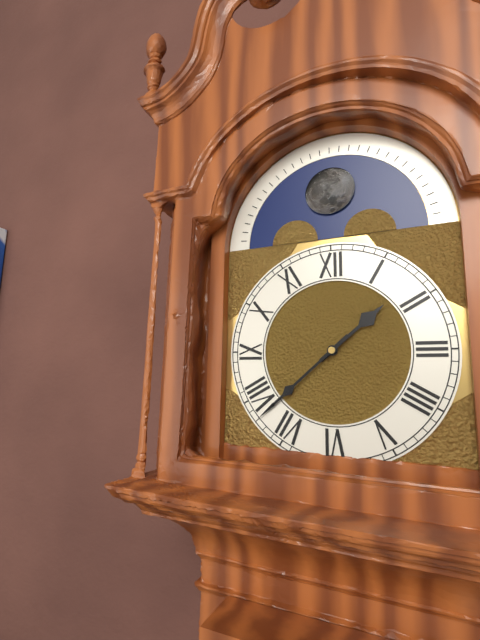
{"hour": 1, "minute": 38}
